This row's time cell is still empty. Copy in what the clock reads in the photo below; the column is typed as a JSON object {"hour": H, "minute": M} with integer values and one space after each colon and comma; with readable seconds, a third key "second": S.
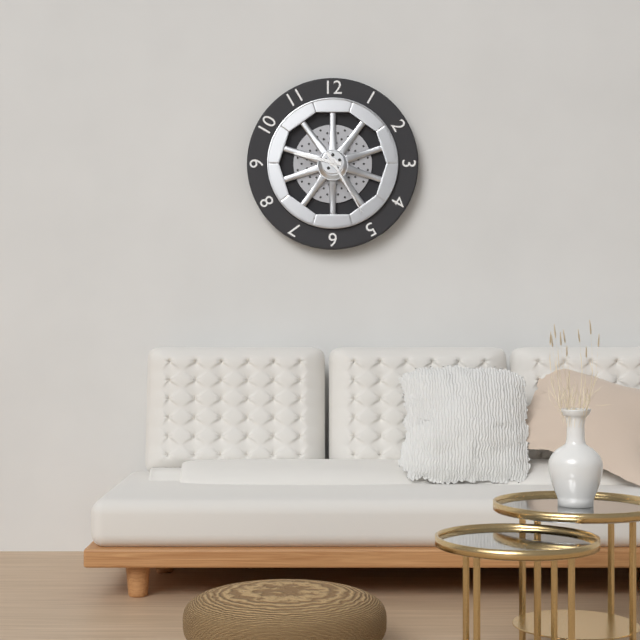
{"hour": 9, "minute": 25}
